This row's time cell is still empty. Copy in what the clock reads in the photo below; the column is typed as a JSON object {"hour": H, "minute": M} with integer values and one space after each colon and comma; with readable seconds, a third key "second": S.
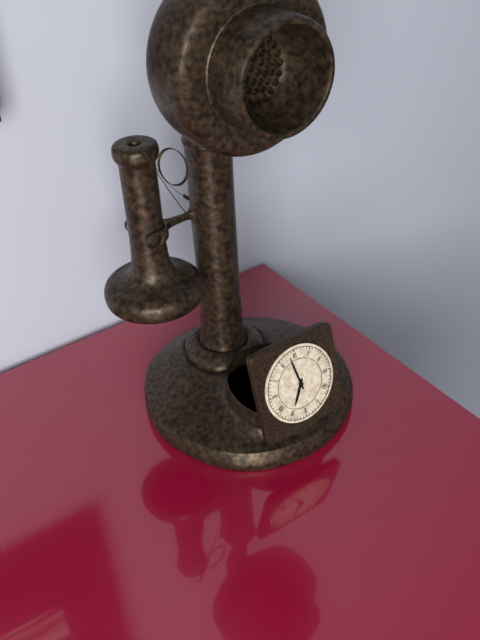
{"hour": 6, "minute": 58}
